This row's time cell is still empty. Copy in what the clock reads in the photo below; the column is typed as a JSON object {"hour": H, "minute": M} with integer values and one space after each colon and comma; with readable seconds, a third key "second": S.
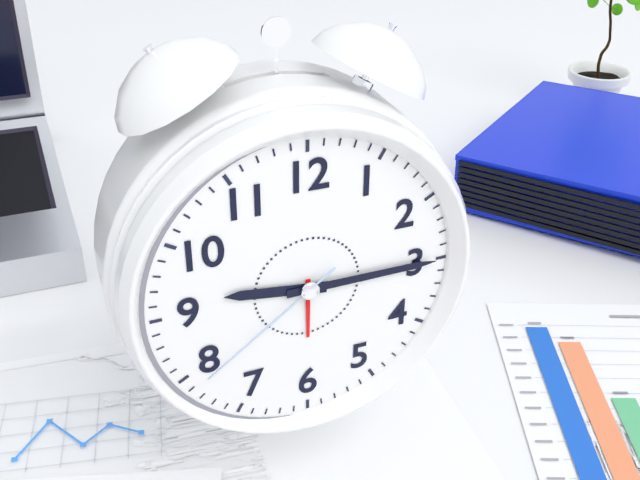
{"hour": 9, "minute": 15, "second": 39}
